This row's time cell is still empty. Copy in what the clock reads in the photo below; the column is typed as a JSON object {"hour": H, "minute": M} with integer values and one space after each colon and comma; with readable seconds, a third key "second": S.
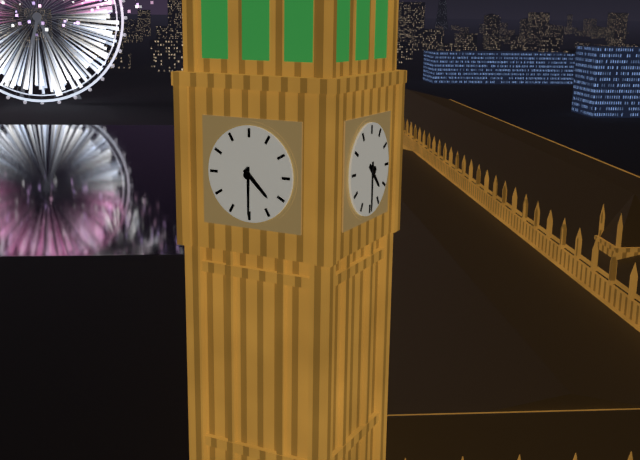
{"hour": 4, "minute": 30}
